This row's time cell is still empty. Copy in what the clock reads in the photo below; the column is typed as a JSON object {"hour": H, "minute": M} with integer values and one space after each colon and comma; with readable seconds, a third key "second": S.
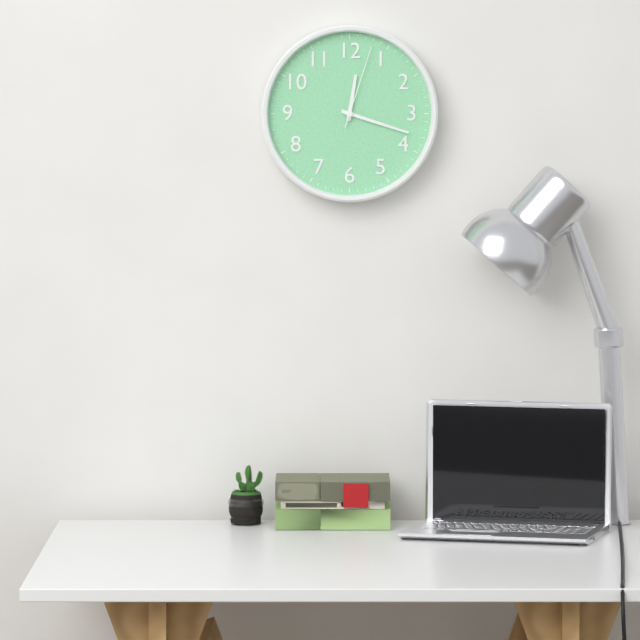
{"hour": 12, "minute": 18, "second": 3}
